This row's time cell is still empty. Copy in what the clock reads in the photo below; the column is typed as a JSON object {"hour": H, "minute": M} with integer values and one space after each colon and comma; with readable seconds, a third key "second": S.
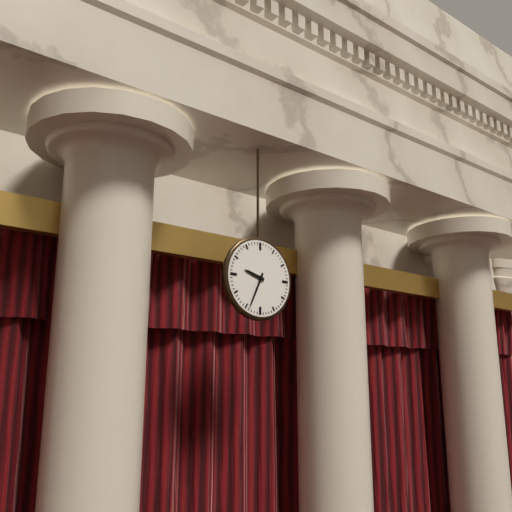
{"hour": 9, "minute": 34}
